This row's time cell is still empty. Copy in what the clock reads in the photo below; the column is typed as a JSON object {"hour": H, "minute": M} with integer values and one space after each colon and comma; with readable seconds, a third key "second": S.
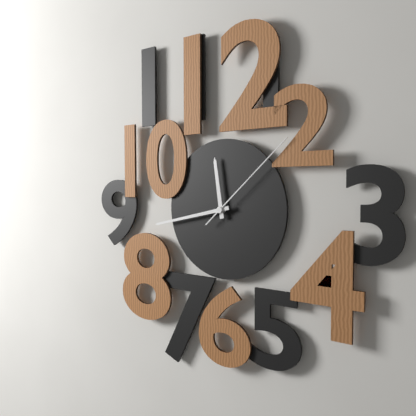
{"hour": 11, "minute": 43, "second": 8}
